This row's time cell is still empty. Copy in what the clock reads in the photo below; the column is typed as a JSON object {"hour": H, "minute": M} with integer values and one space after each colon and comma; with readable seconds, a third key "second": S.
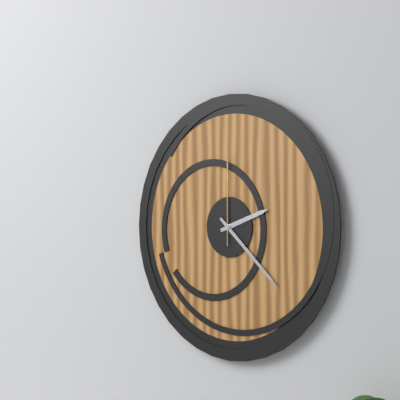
{"hour": 2, "minute": 22, "second": 0}
